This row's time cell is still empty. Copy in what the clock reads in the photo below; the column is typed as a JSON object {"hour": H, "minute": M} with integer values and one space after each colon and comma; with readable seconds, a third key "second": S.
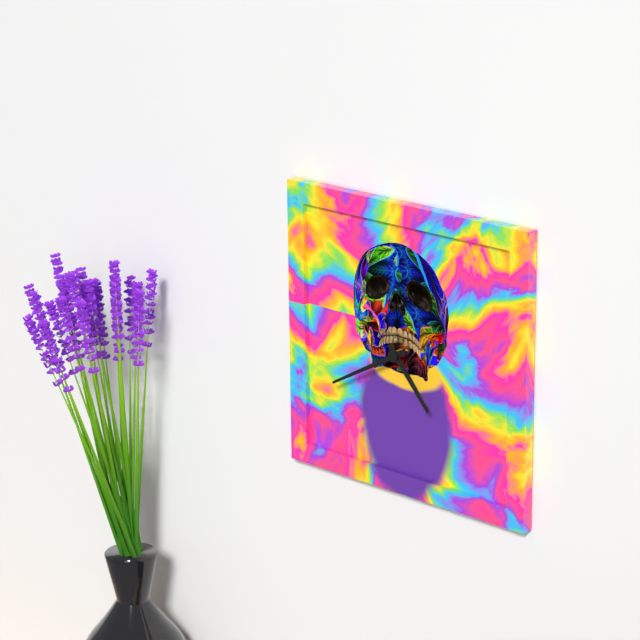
{"hour": 4, "minute": 40}
